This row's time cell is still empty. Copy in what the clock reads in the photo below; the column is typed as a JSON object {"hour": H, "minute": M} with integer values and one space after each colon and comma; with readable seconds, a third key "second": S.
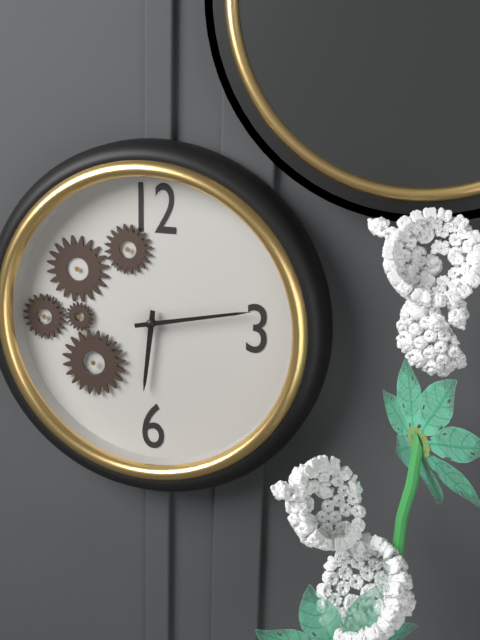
{"hour": 6, "minute": 13}
